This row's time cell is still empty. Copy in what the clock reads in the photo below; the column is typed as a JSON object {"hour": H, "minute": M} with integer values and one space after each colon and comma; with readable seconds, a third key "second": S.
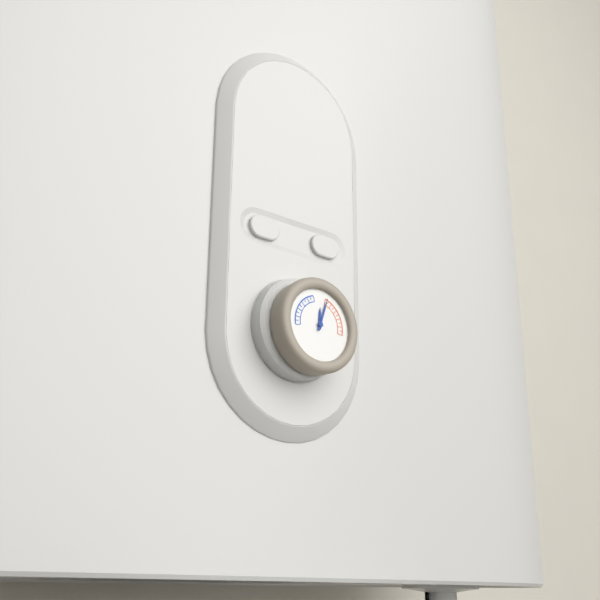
{"hour": 12, "minute": 3}
